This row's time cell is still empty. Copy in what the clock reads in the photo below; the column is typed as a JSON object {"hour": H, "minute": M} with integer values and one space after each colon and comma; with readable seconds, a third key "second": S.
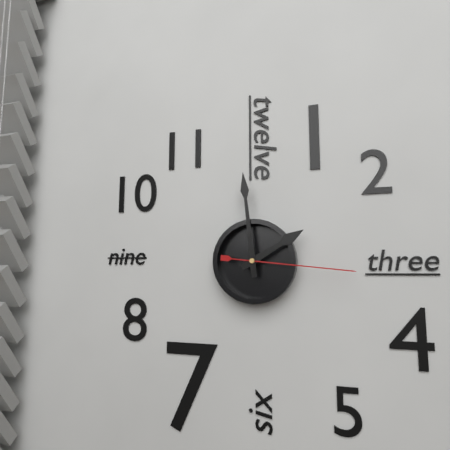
{"hour": 1, "minute": 59, "second": 16}
